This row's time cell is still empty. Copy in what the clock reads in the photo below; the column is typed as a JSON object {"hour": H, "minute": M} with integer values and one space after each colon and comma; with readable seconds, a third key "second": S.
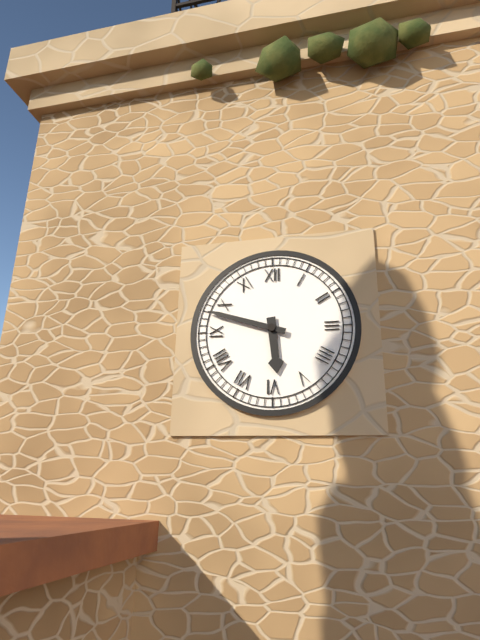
{"hour": 5, "minute": 48}
